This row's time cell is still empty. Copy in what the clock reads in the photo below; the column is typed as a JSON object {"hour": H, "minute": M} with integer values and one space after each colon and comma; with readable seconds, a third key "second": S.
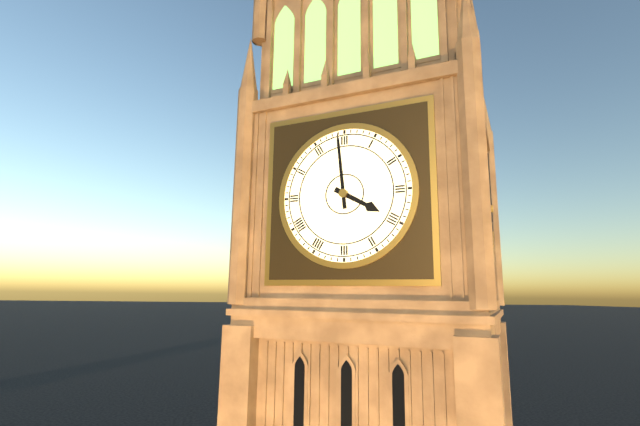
{"hour": 3, "minute": 59}
